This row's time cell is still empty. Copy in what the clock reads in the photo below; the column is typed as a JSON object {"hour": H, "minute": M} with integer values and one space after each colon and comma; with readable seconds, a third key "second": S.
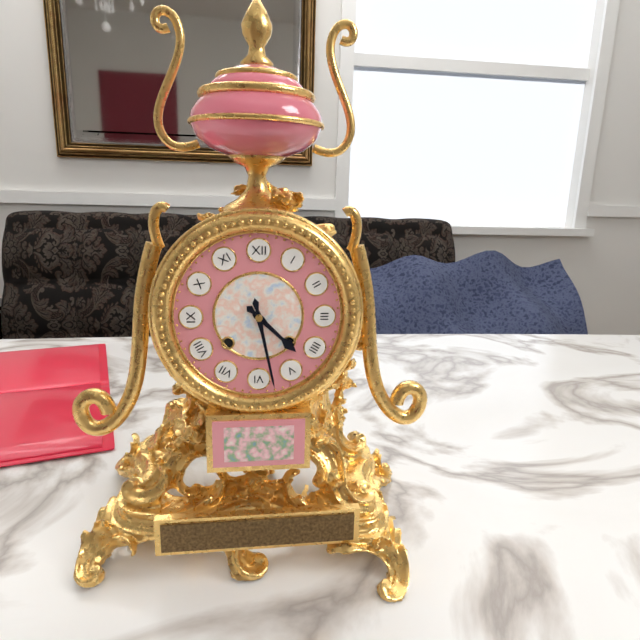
{"hour": 4, "minute": 28}
